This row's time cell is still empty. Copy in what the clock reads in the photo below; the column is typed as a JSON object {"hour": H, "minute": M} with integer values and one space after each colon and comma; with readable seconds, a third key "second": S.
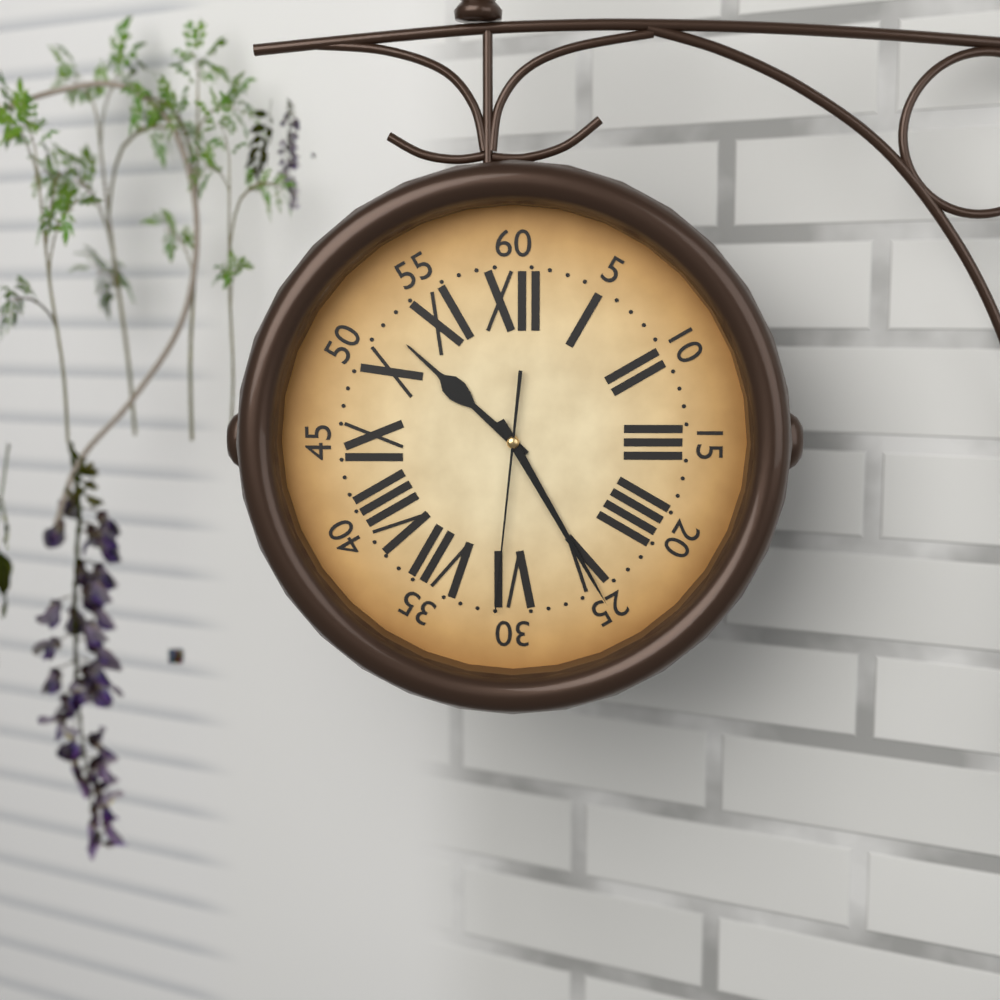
{"hour": 10, "minute": 25, "second": 31}
